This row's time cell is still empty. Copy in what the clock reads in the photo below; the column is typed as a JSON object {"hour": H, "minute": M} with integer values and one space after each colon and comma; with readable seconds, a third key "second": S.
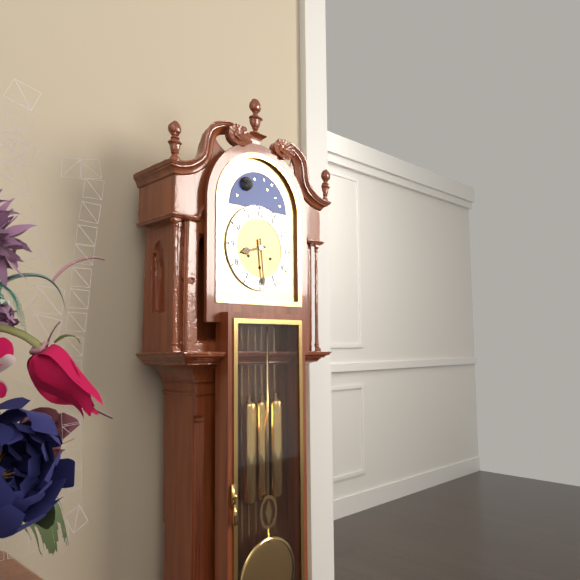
{"hour": 8, "minute": 29}
